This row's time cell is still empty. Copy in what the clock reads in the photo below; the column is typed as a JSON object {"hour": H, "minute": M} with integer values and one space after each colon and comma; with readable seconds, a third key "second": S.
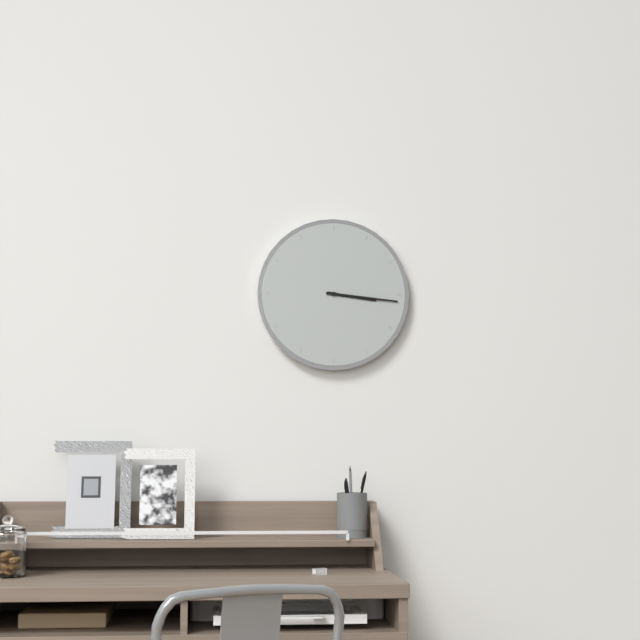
{"hour": 3, "minute": 16}
